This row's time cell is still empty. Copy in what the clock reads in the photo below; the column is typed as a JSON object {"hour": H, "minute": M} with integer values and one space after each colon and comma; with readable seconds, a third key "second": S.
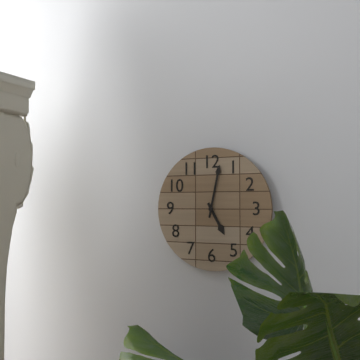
{"hour": 5, "minute": 2}
